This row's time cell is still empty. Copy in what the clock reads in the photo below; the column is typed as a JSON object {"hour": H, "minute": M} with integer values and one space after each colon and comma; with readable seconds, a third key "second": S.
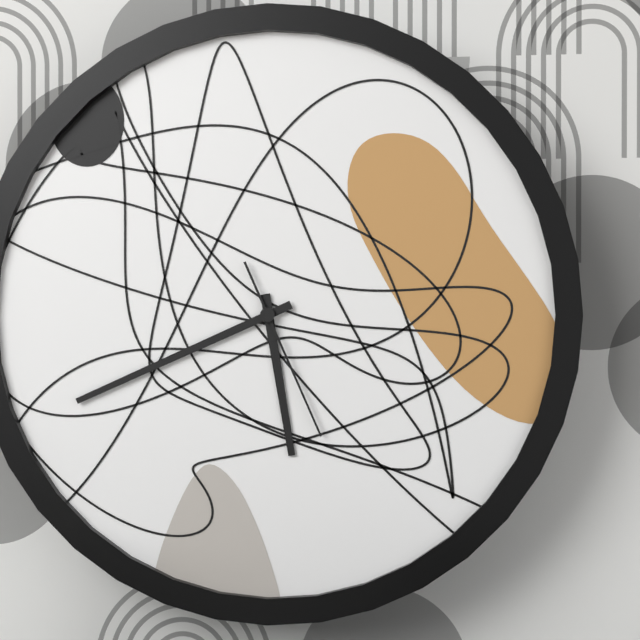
{"hour": 5, "minute": 41, "second": 26}
